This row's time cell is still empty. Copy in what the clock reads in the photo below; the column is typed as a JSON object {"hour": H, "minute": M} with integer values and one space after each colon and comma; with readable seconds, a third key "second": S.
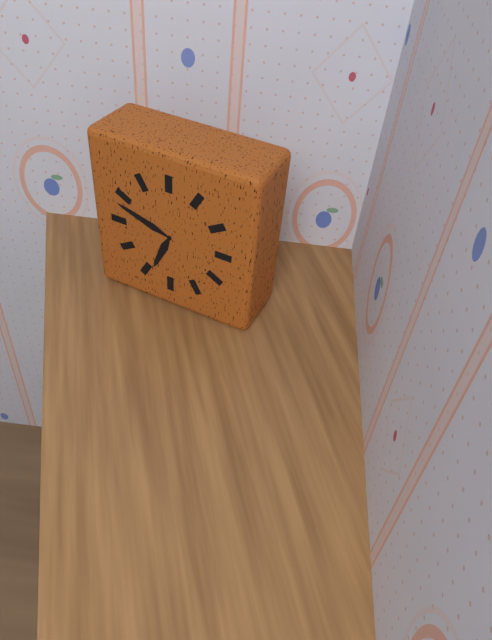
{"hour": 6, "minute": 48}
